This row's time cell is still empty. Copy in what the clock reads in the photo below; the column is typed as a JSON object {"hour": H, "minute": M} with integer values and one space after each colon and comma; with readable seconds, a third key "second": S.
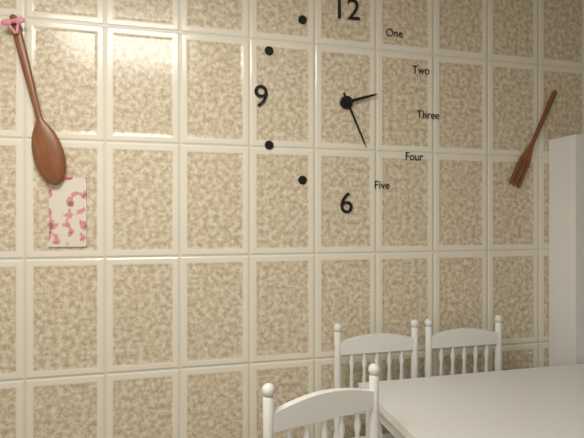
{"hour": 2, "minute": 26}
